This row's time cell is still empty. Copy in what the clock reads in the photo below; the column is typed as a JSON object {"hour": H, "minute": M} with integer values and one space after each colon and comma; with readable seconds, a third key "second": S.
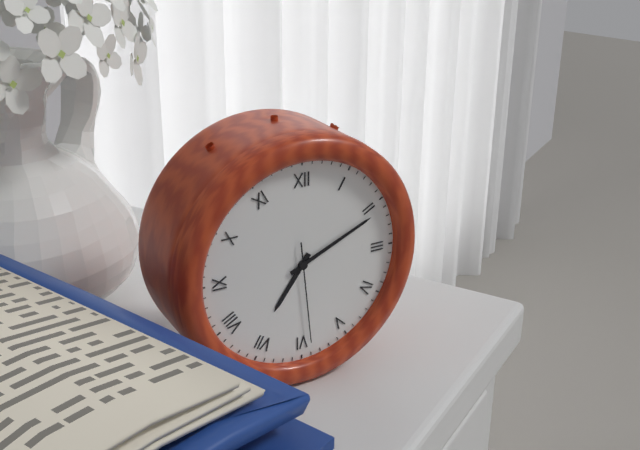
{"hour": 7, "minute": 11, "second": 29}
